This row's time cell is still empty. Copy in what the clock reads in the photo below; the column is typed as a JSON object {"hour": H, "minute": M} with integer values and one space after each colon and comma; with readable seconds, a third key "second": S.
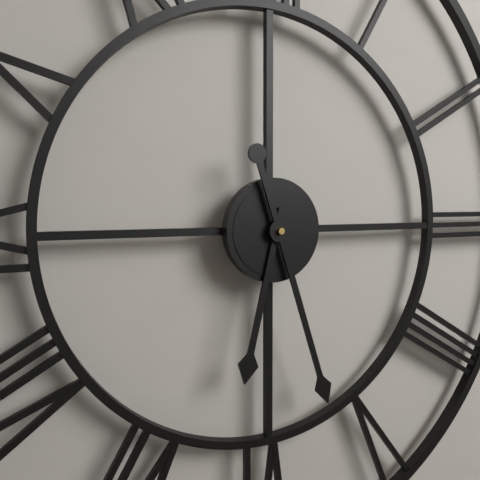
{"hour": 6, "minute": 27}
